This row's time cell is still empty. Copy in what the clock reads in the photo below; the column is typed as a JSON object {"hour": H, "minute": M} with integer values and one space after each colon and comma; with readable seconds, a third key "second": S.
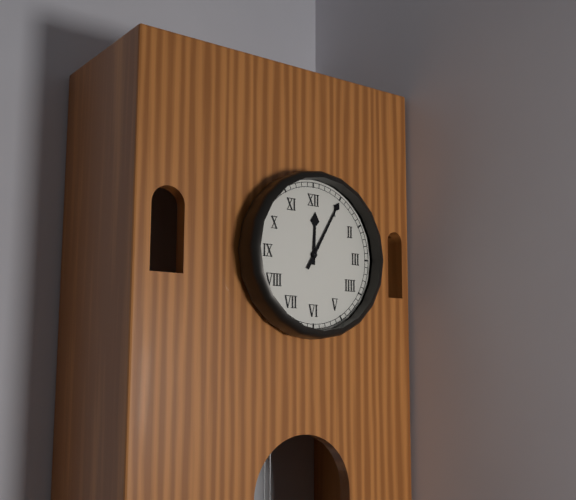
{"hour": 12, "minute": 5}
